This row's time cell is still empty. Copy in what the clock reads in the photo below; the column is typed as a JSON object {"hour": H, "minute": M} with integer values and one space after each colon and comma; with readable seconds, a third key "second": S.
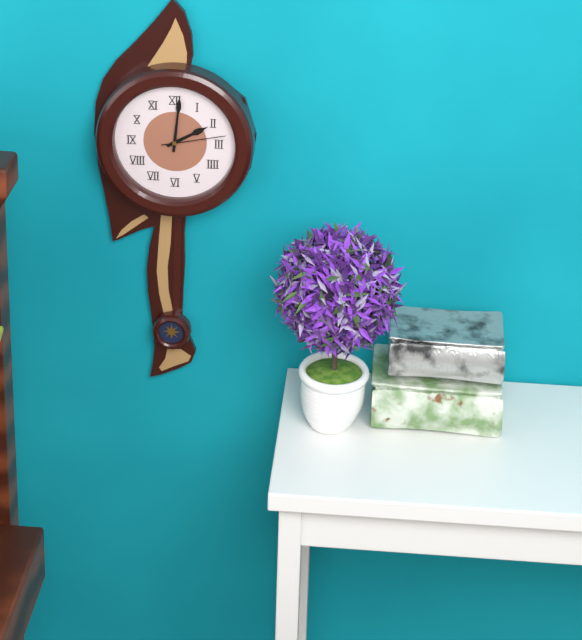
{"hour": 2, "minute": 1, "second": 13}
